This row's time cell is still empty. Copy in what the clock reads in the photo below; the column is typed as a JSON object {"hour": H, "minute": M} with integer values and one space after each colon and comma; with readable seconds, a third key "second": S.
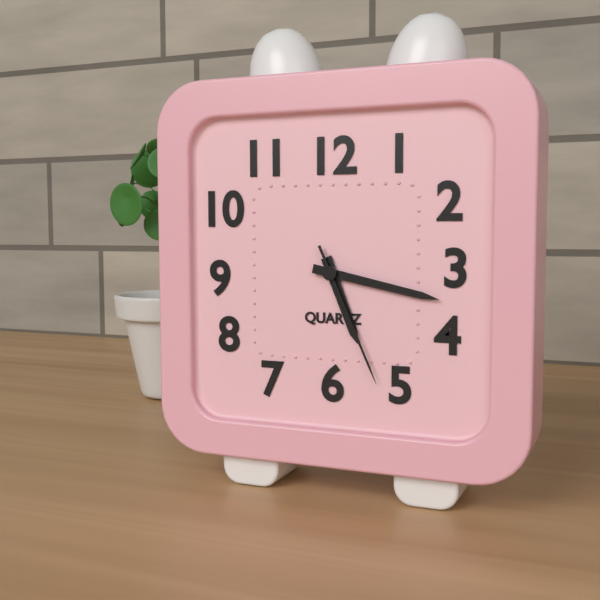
{"hour": 5, "minute": 17, "second": 26}
